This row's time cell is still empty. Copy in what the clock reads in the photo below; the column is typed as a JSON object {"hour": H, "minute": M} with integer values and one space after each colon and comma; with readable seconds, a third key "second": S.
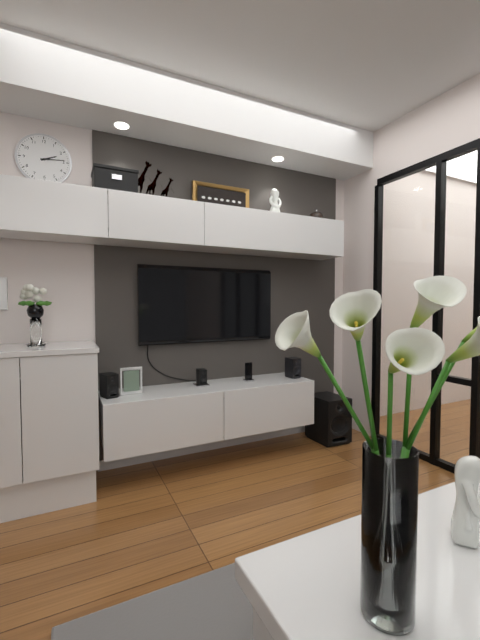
{"hour": 2, "minute": 14}
